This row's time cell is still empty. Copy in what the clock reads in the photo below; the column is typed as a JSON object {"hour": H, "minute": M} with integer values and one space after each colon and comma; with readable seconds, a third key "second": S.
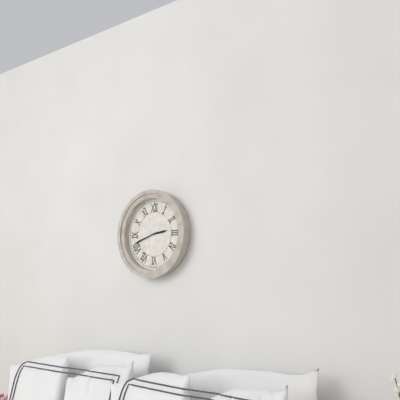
{"hour": 2, "minute": 42}
